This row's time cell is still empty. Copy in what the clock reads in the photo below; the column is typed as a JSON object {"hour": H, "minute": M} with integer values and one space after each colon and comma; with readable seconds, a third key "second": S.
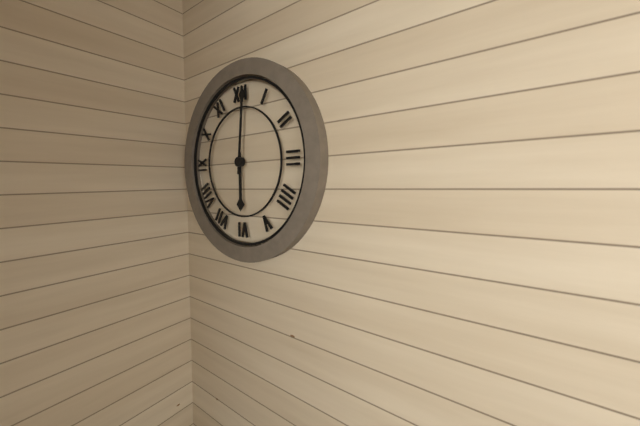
{"hour": 6, "minute": 1}
